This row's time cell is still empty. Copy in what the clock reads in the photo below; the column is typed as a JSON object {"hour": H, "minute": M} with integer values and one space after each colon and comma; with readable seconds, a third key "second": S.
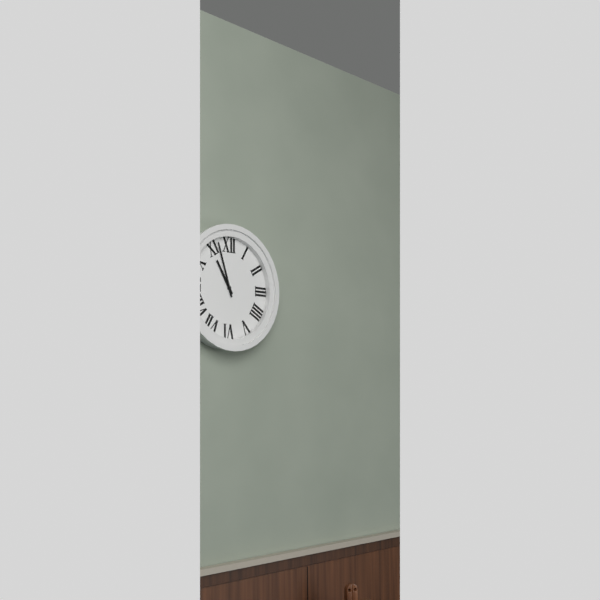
{"hour": 10, "minute": 57}
